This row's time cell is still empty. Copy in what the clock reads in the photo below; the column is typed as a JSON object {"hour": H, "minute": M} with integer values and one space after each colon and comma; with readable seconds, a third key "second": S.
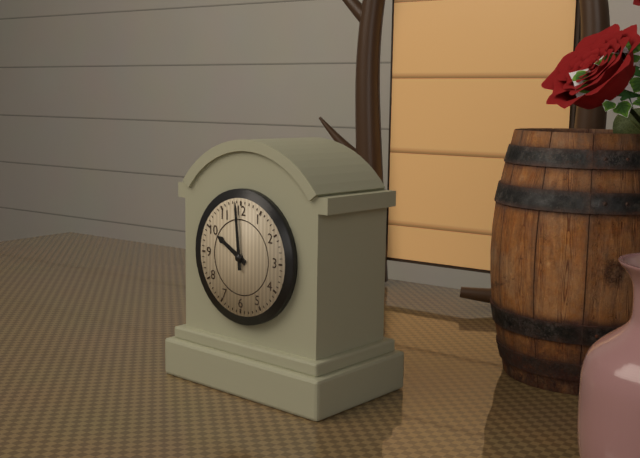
{"hour": 9, "minute": 59}
